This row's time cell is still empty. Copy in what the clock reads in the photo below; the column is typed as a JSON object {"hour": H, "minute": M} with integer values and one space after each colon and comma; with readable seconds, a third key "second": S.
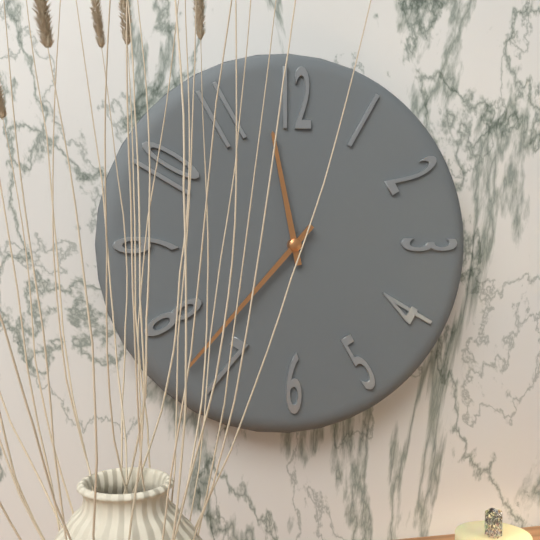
{"hour": 11, "minute": 37}
